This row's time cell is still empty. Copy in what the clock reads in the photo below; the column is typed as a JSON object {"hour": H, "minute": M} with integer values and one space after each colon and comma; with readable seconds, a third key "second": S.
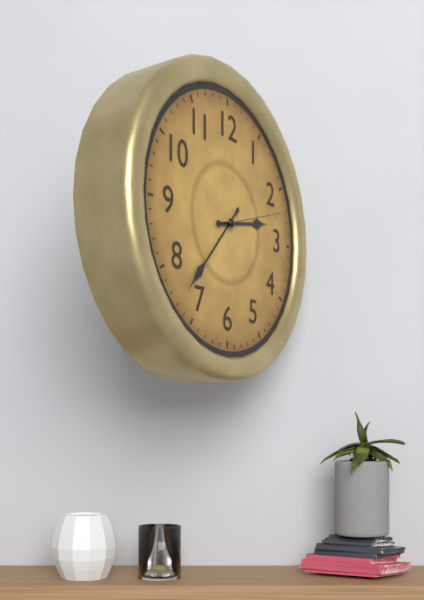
{"hour": 2, "minute": 37, "second": 12}
